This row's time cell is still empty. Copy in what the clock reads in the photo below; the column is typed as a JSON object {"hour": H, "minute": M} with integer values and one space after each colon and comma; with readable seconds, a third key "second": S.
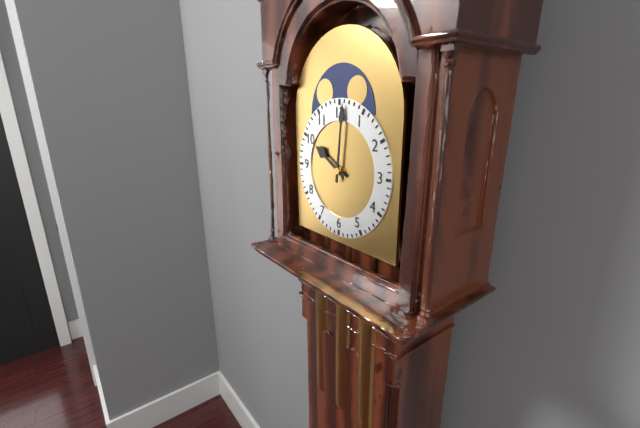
{"hour": 10, "minute": 1}
